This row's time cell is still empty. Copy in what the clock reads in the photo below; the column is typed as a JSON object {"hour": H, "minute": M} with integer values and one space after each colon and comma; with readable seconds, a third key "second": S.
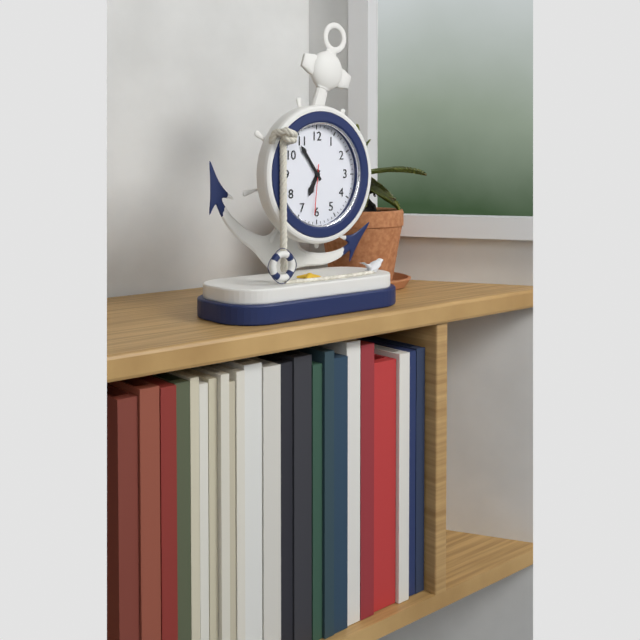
{"hour": 6, "minute": 54, "second": 31}
